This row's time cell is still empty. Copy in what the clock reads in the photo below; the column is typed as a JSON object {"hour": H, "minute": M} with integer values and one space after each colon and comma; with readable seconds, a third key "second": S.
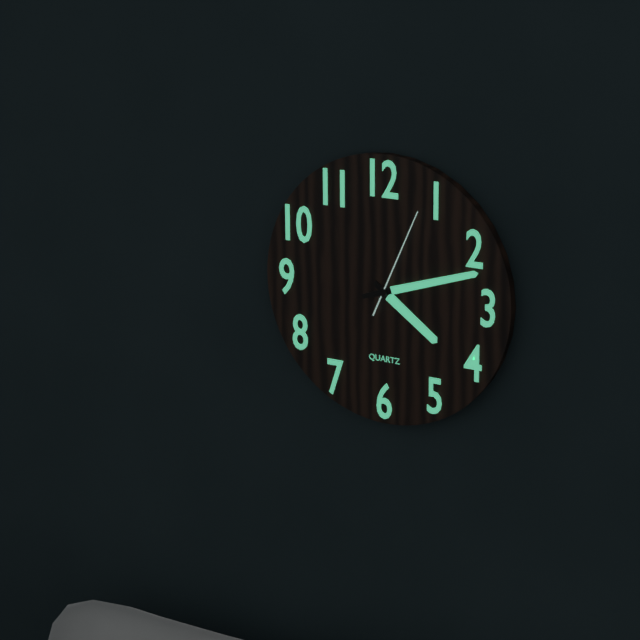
{"hour": 4, "minute": 12, "second": 4}
